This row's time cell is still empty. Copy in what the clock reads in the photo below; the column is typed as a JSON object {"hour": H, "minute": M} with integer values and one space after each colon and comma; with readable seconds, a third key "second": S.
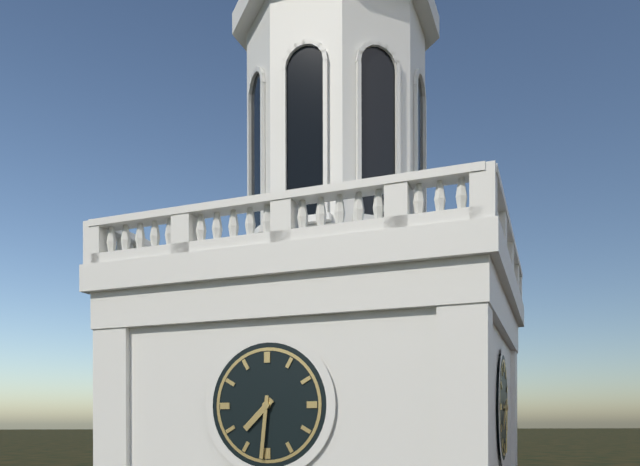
{"hour": 7, "minute": 31}
